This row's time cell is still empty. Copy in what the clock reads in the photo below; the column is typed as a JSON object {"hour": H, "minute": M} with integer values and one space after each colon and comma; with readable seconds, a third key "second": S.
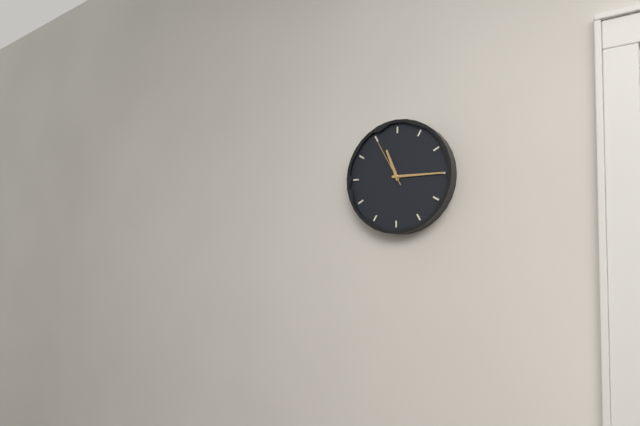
{"hour": 11, "minute": 15, "second": 55}
